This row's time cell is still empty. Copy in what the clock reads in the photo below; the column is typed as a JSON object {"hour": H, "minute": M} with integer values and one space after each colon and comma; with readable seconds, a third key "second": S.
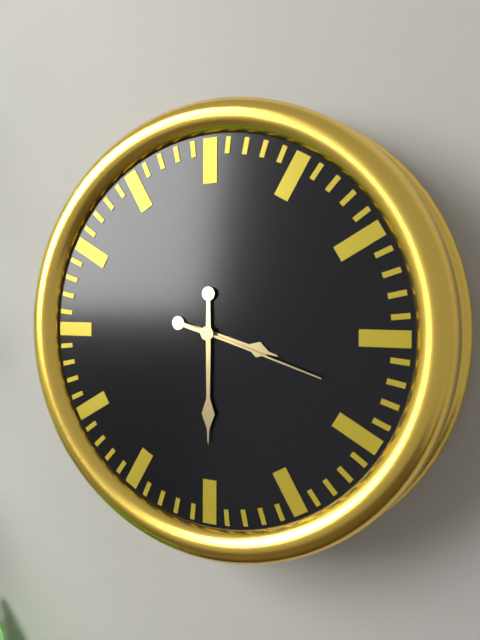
{"hour": 3, "minute": 30, "second": 18}
